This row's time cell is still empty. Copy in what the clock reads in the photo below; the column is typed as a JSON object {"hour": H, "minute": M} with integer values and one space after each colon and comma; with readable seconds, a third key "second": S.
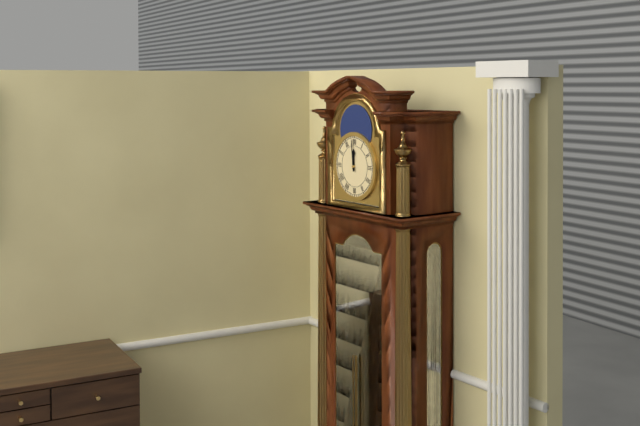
{"hour": 11, "minute": 59}
